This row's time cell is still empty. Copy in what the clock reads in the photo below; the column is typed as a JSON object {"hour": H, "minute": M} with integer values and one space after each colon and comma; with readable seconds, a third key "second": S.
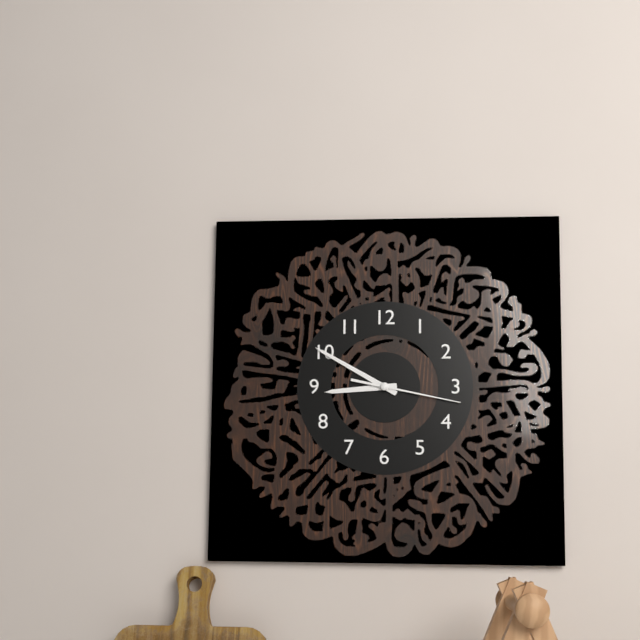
{"hour": 8, "minute": 50, "second": 17}
